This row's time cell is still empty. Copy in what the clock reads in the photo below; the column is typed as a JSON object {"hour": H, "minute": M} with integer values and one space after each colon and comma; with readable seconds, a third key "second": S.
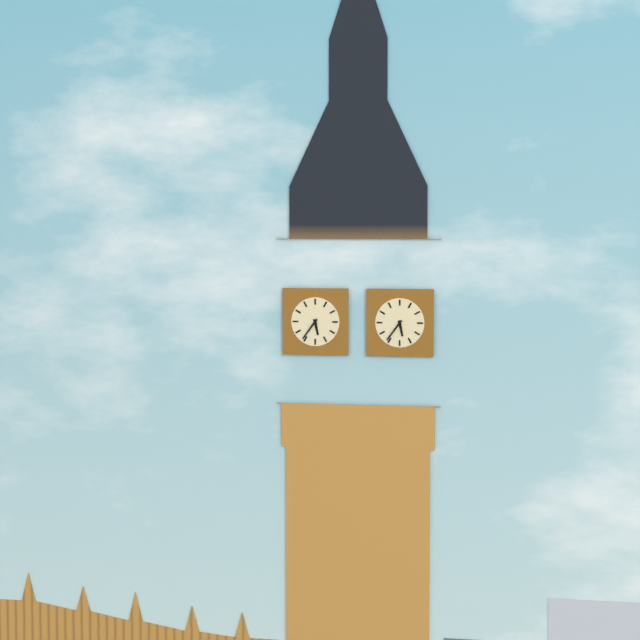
{"hour": 5, "minute": 36}
